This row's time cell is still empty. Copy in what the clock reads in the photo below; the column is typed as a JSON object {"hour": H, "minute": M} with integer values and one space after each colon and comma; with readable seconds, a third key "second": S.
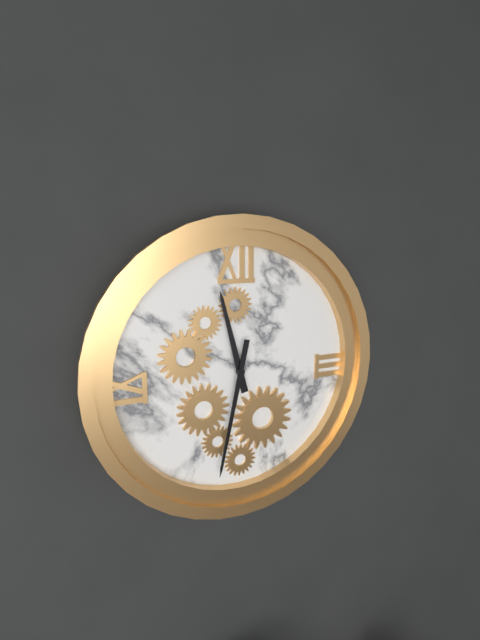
{"hour": 11, "minute": 32}
